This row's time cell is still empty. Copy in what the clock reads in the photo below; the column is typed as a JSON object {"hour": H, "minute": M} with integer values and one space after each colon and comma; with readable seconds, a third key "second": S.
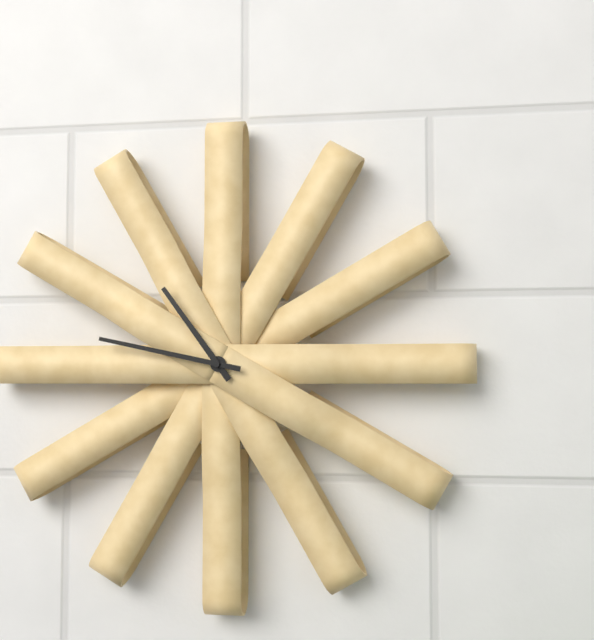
{"hour": 10, "minute": 47}
